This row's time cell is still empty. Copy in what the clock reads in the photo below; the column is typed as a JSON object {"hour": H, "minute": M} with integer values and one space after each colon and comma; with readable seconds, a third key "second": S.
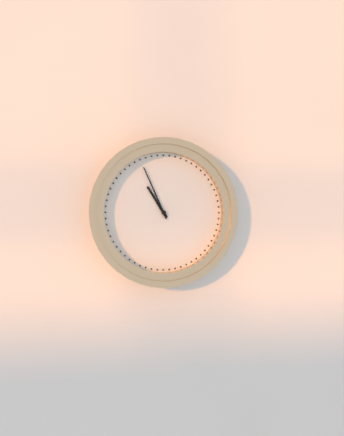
{"hour": 10, "minute": 56}
